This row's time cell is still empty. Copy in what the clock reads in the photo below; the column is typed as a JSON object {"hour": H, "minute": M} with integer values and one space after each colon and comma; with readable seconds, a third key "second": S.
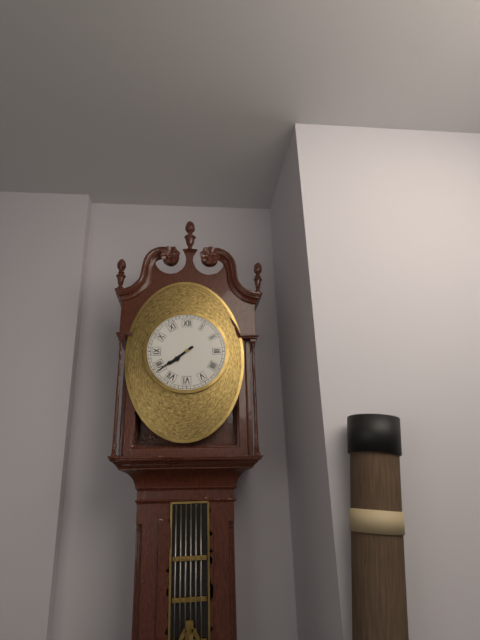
{"hour": 7, "minute": 39}
